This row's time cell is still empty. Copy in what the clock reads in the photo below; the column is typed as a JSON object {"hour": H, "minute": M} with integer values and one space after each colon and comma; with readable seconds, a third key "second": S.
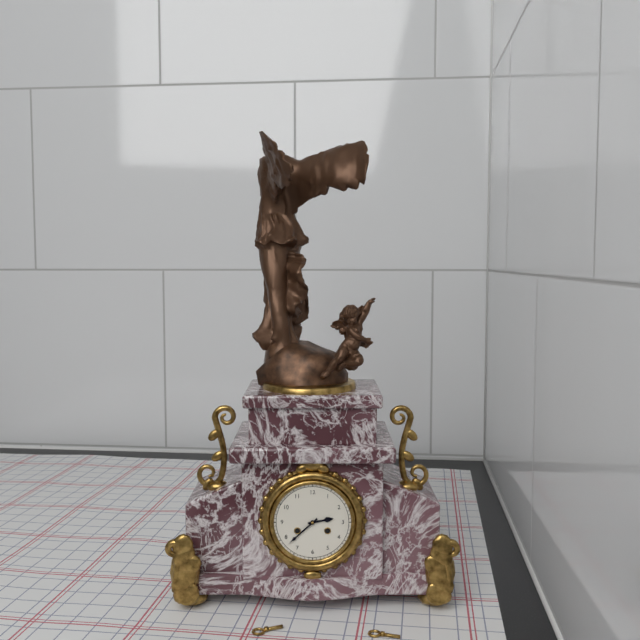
{"hour": 2, "minute": 38}
